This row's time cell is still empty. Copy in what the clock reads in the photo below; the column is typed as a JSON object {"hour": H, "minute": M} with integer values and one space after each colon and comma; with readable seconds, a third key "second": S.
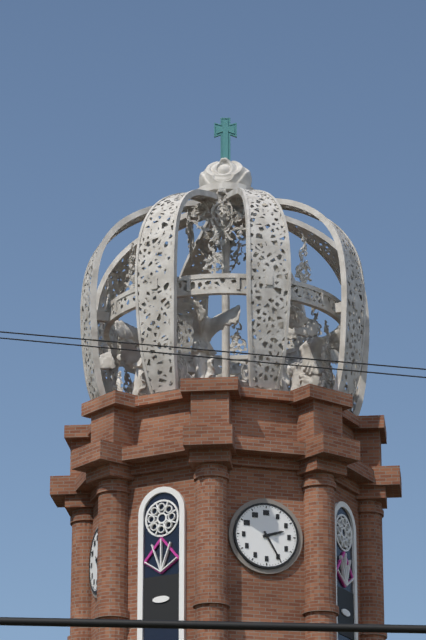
{"hour": 2, "minute": 25}
